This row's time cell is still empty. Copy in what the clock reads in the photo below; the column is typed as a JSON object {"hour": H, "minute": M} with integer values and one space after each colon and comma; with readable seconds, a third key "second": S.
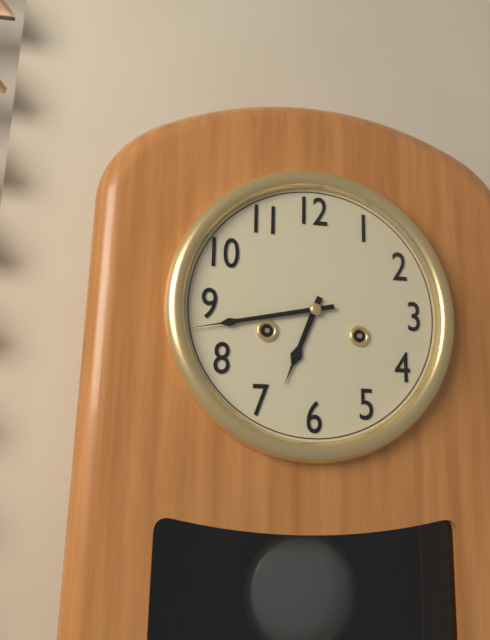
{"hour": 6, "minute": 43}
